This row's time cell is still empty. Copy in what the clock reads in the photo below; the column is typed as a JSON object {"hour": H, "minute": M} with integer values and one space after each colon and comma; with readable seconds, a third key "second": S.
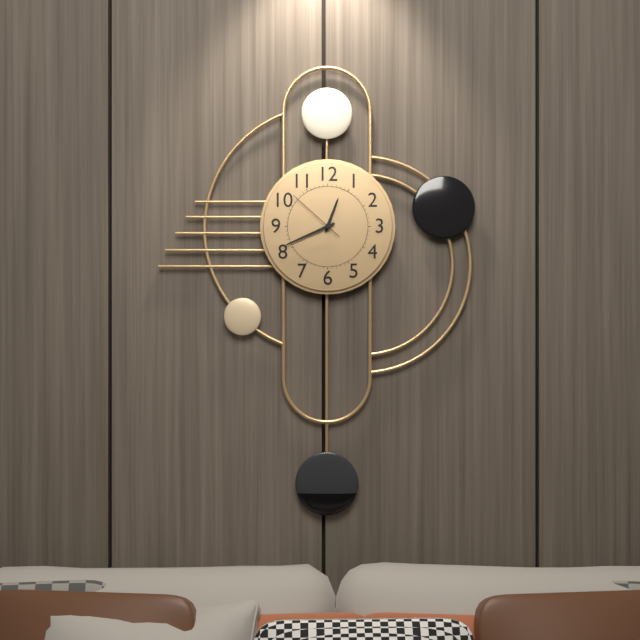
{"hour": 12, "minute": 41, "second": 52}
